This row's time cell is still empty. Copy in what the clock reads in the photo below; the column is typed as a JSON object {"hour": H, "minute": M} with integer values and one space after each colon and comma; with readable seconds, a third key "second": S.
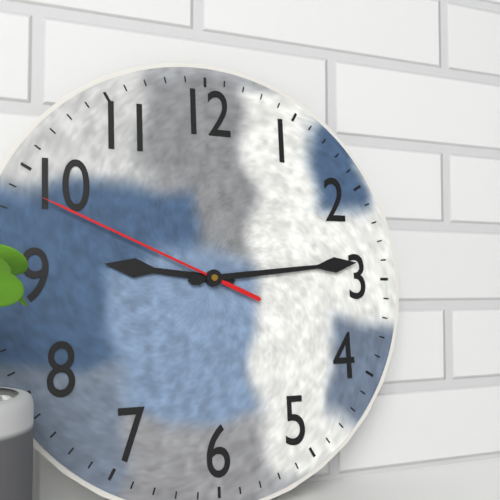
{"hour": 9, "minute": 14, "second": 49}
